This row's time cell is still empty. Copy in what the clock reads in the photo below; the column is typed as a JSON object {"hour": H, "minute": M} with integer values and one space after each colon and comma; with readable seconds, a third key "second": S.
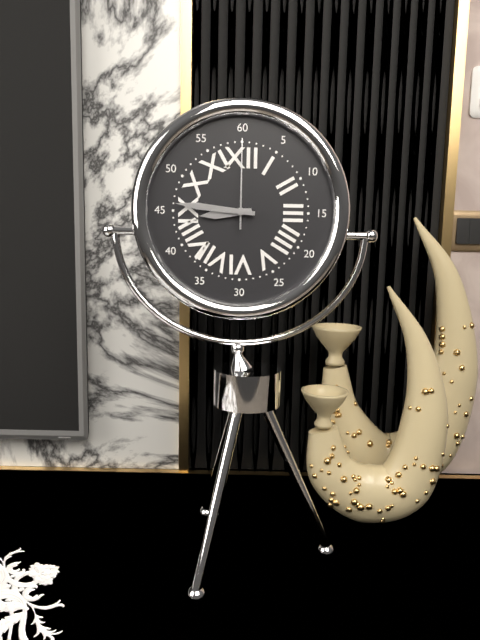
{"hour": 8, "minute": 46, "second": 0}
